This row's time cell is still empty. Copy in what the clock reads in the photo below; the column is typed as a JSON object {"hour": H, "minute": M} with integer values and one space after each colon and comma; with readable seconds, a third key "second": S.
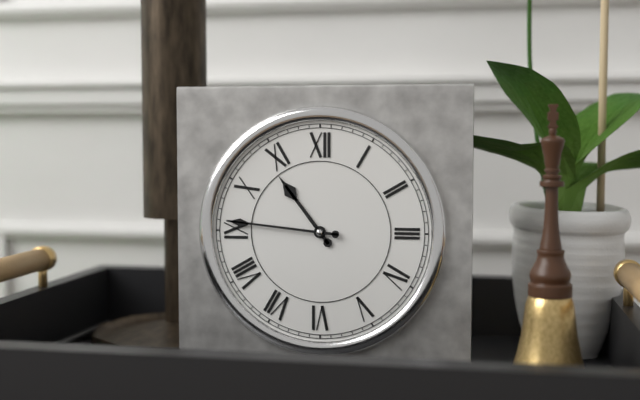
{"hour": 10, "minute": 46}
